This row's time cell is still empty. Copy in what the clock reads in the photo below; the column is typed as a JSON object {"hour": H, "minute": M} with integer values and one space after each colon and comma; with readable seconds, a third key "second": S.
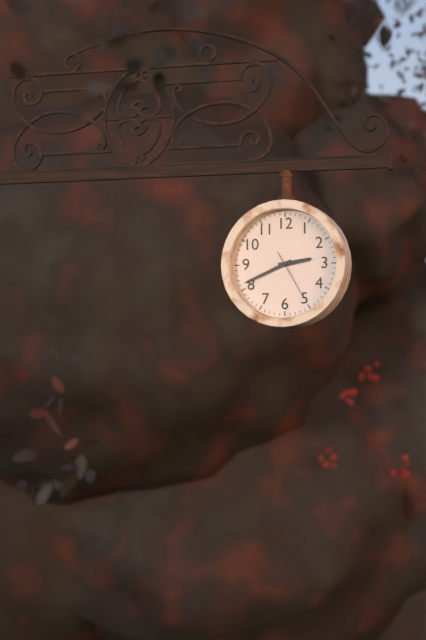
{"hour": 2, "minute": 41, "second": 25}
